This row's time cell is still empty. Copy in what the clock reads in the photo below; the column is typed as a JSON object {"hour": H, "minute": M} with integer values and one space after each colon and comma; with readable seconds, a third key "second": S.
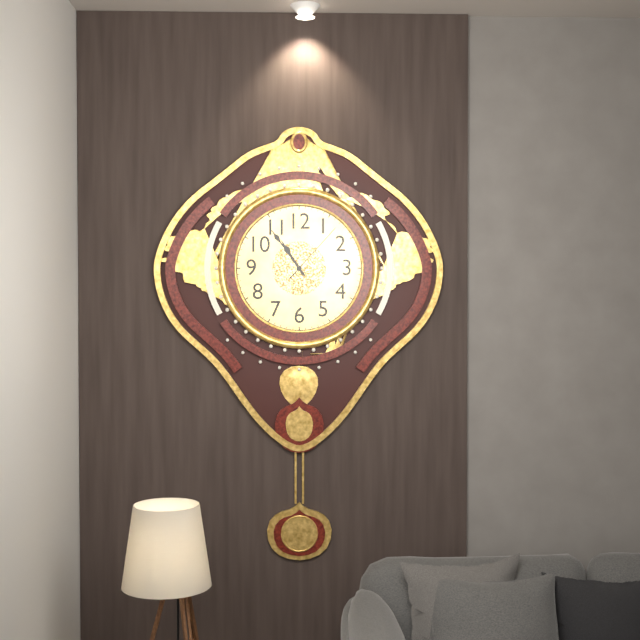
{"hour": 10, "minute": 54, "second": 7}
